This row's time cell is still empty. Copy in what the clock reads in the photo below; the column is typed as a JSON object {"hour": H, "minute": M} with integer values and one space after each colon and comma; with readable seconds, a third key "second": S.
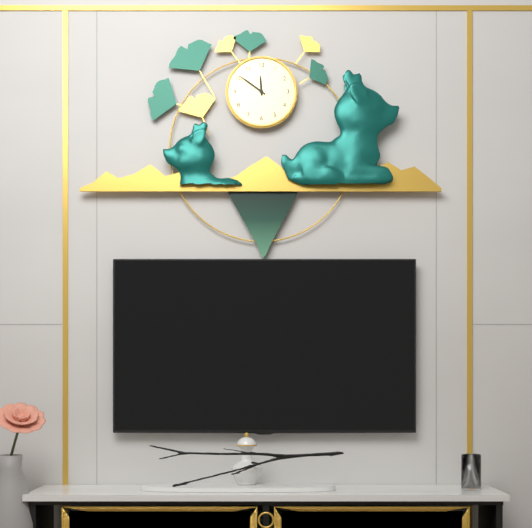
{"hour": 11, "minute": 51}
